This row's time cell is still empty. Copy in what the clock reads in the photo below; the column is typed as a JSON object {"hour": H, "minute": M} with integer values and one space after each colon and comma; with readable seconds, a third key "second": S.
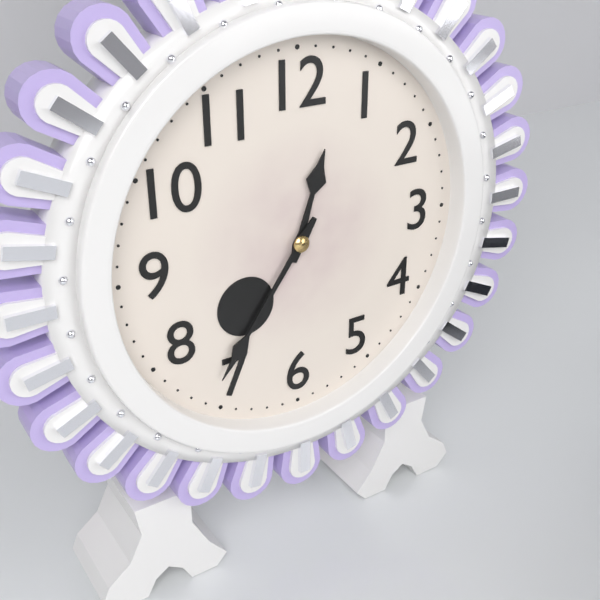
{"hour": 12, "minute": 36}
